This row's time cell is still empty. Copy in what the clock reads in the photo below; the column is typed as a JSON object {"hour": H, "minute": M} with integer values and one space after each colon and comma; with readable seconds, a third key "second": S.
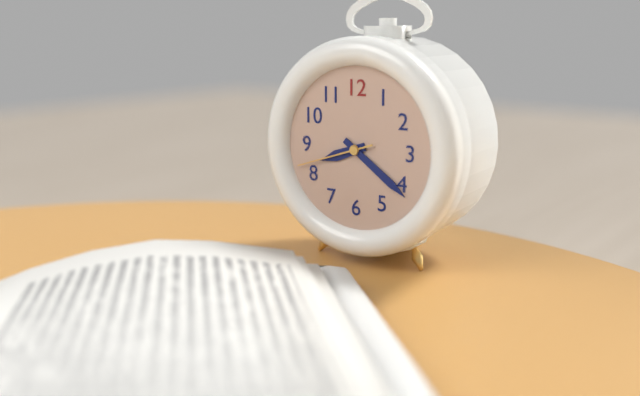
{"hour": 8, "minute": 21, "second": 42}
